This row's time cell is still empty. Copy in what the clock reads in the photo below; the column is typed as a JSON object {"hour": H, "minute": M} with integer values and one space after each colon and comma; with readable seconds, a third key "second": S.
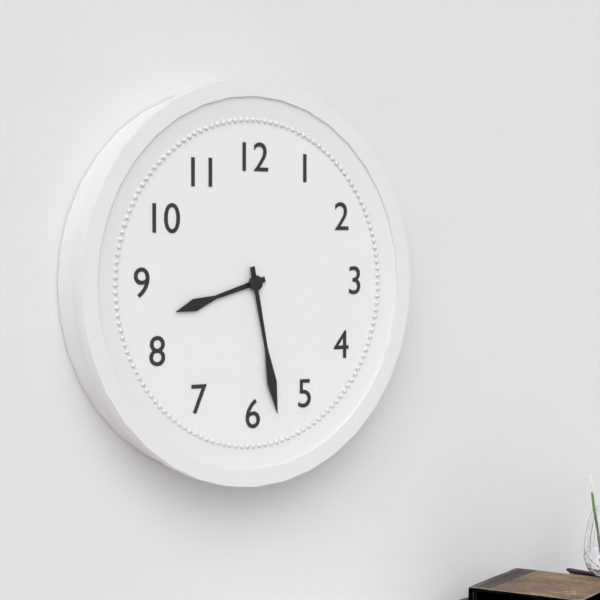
{"hour": 8, "minute": 28}
